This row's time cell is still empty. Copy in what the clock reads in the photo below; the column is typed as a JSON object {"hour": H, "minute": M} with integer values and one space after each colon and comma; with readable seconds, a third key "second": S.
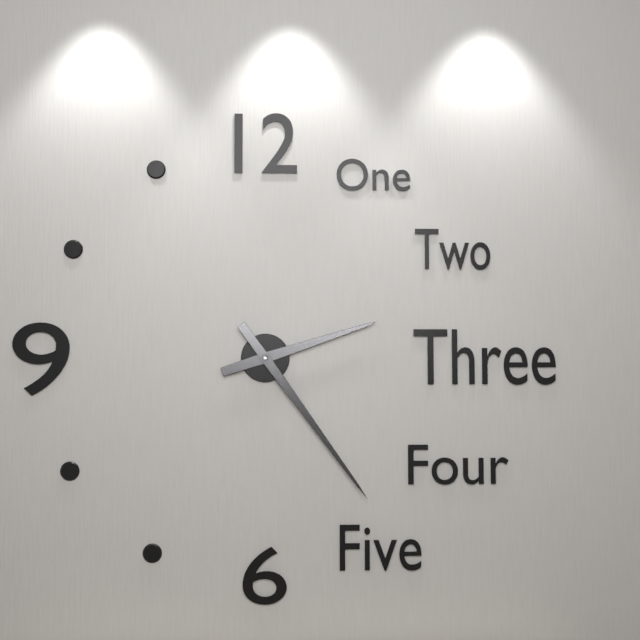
{"hour": 2, "minute": 24}
